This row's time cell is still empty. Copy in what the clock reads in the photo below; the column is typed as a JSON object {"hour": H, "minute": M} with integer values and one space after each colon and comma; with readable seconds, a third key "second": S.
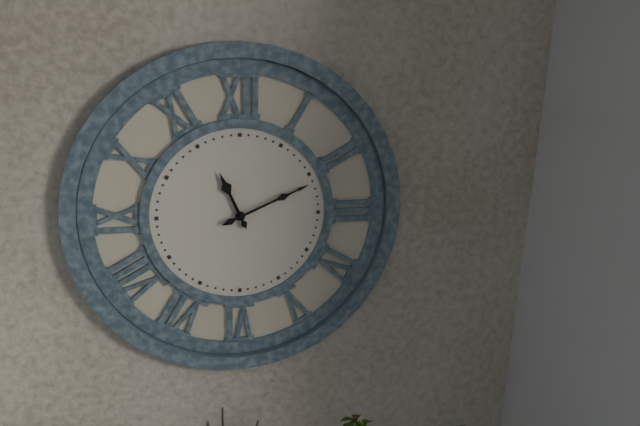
{"hour": 11, "minute": 11}
